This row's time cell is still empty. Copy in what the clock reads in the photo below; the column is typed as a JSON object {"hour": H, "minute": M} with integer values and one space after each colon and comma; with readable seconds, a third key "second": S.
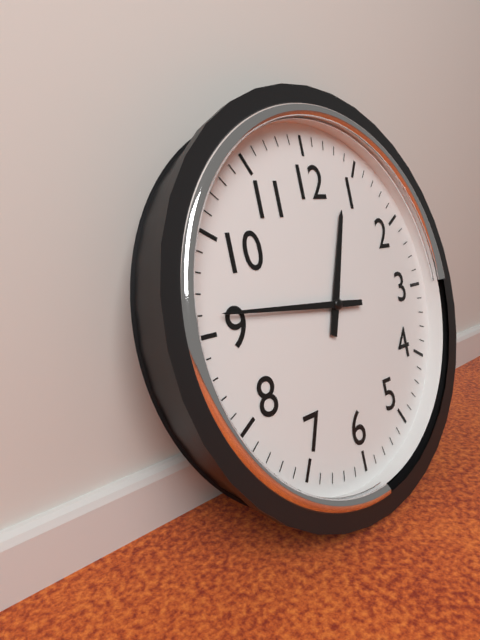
{"hour": 12, "minute": 46}
